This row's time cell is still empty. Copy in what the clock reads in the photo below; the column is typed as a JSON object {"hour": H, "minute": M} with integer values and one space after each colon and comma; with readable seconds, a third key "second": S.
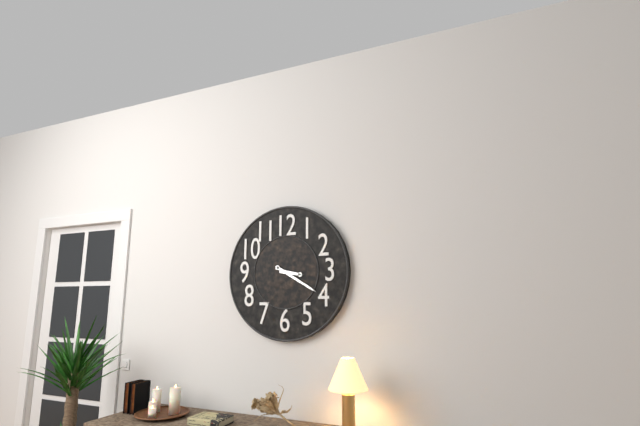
{"hour": 3, "minute": 20}
